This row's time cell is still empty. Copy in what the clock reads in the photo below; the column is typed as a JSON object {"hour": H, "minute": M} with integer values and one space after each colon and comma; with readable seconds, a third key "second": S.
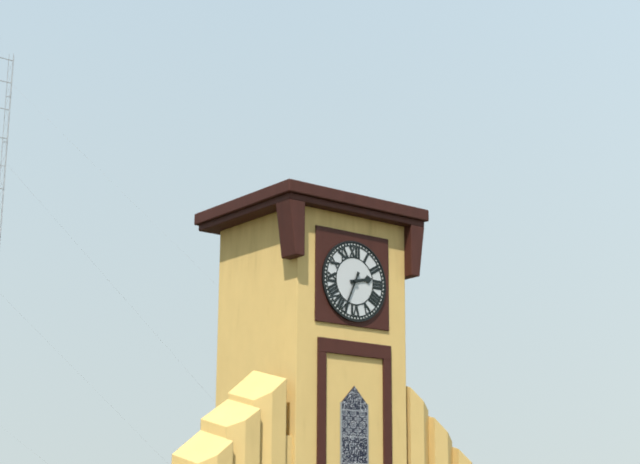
{"hour": 2, "minute": 34}
